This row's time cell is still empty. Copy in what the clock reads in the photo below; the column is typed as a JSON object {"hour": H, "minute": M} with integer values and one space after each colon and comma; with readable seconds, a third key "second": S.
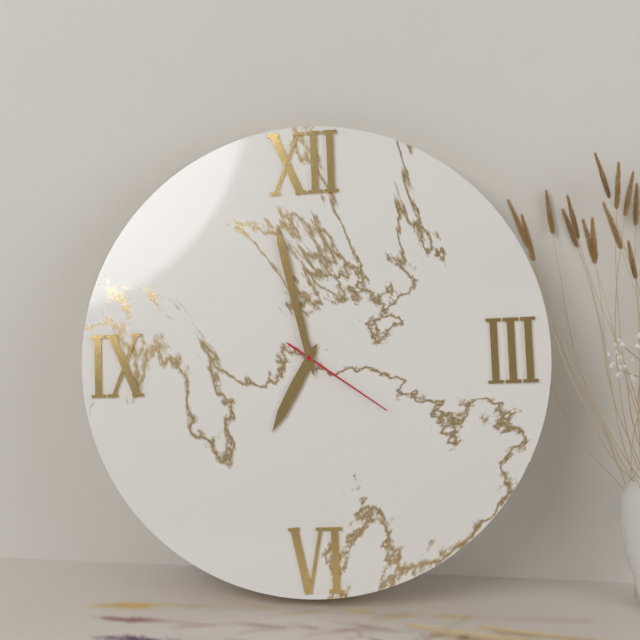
{"hour": 6, "minute": 58, "second": 21}
